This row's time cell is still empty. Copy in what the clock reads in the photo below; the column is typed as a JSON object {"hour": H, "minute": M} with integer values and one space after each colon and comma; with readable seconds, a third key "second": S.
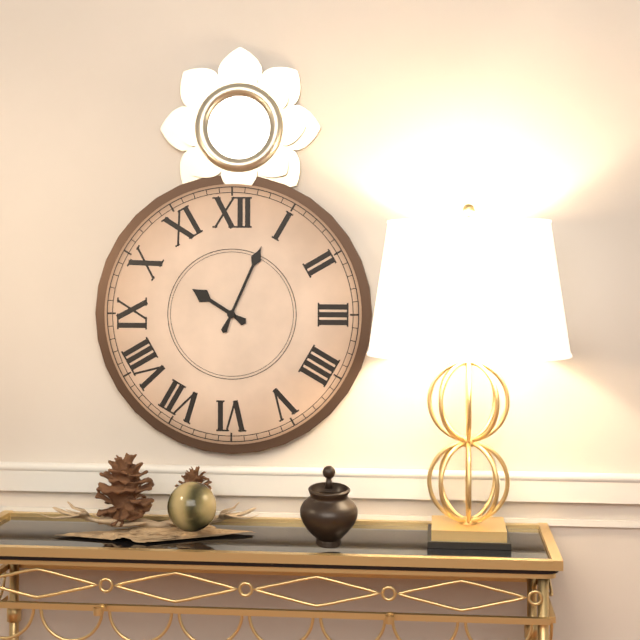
{"hour": 10, "minute": 4}
